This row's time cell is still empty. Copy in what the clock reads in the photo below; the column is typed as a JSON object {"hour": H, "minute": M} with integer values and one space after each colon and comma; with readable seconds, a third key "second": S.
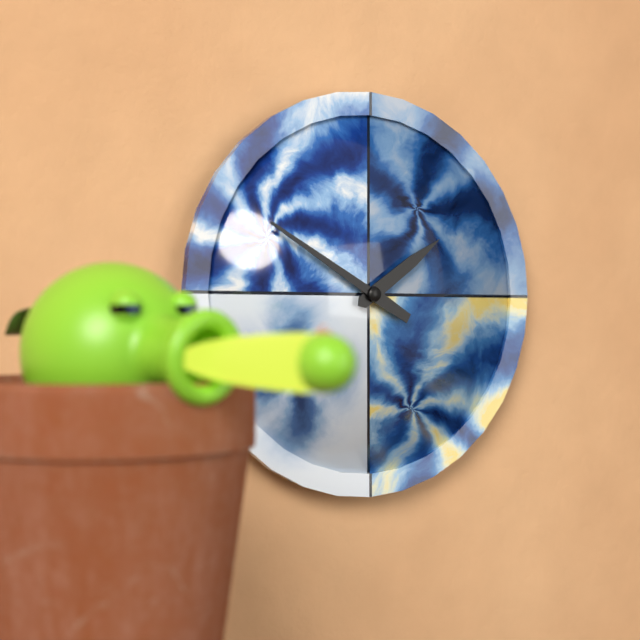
{"hour": 1, "minute": 50}
